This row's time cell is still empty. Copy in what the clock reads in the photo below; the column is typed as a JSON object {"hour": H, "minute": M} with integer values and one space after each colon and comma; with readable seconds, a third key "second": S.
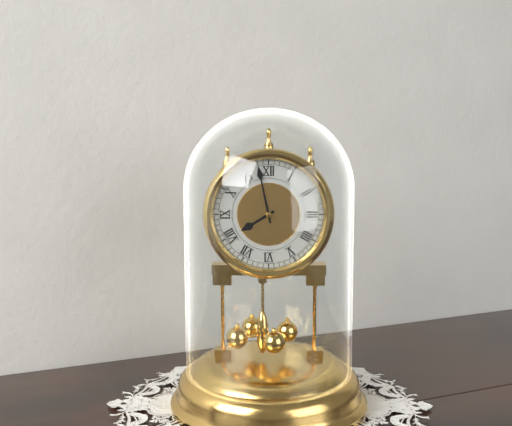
{"hour": 7, "minute": 58}
